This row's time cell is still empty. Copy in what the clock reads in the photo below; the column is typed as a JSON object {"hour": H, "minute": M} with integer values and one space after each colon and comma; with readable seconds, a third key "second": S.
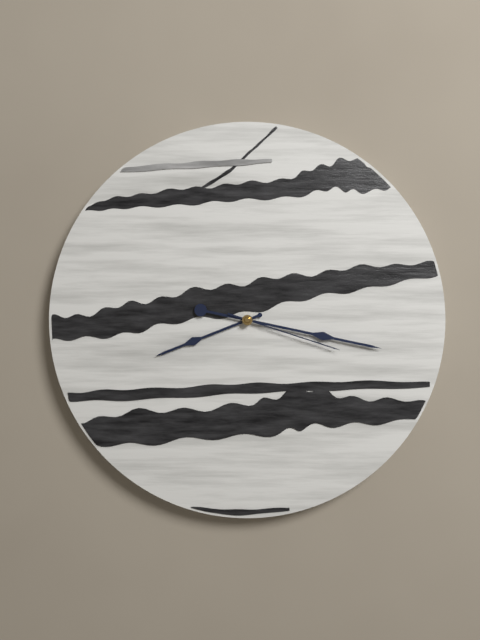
{"hour": 8, "minute": 17, "second": 18}
